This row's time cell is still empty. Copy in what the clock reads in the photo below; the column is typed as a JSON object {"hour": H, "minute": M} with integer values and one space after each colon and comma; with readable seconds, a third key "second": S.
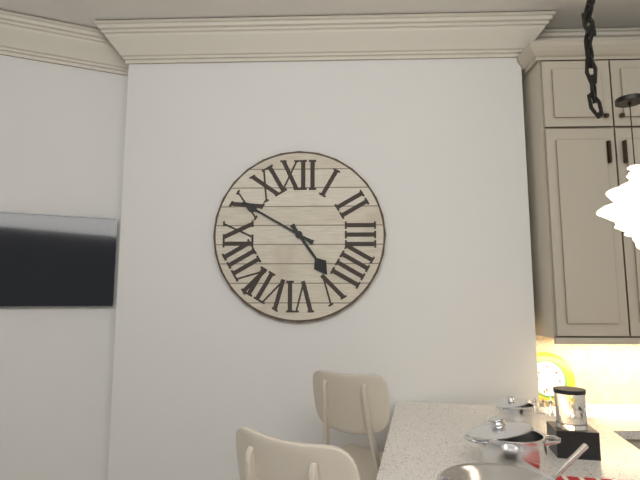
{"hour": 4, "minute": 50}
